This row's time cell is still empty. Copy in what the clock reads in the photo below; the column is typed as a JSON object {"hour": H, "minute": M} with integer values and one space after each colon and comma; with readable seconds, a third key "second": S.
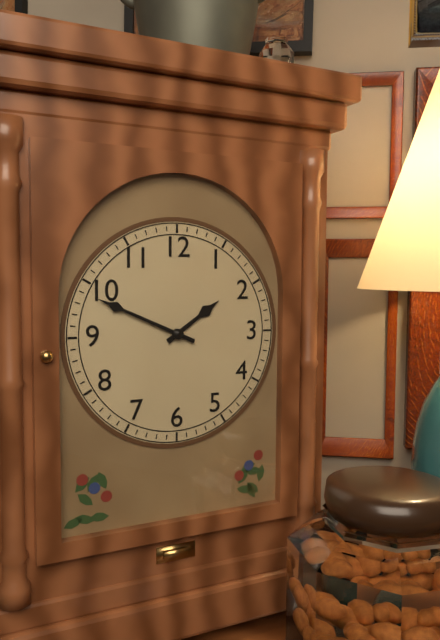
{"hour": 1, "minute": 49}
